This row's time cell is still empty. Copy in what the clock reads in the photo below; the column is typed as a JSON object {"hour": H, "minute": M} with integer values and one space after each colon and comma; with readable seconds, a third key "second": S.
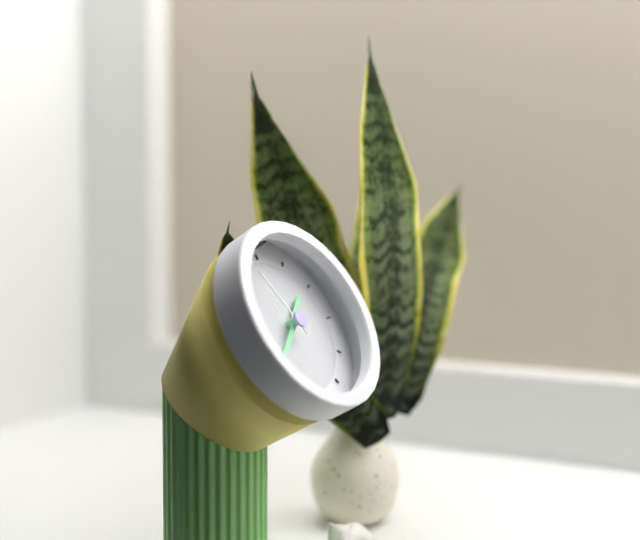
{"hour": 1, "minute": 39, "second": 56}
